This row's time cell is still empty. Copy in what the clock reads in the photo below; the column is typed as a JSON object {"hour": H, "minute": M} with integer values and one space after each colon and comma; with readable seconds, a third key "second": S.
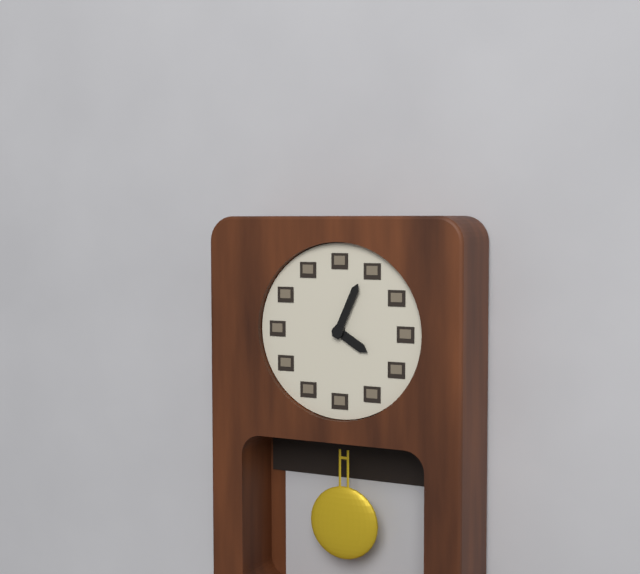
{"hour": 4, "minute": 4}
